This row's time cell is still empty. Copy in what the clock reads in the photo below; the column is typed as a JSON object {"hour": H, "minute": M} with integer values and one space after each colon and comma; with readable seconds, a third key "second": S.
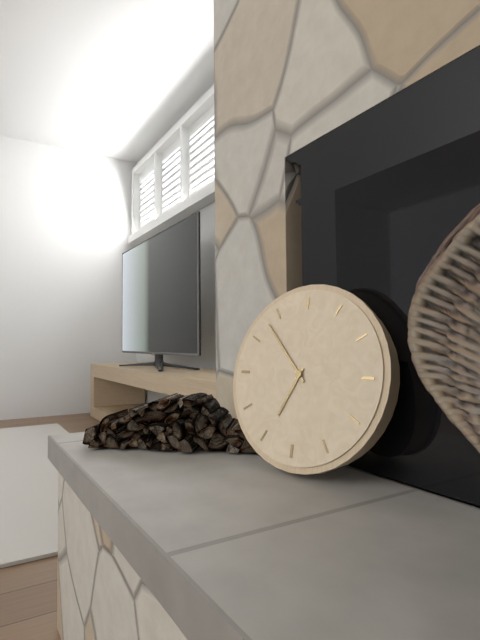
{"hour": 6, "minute": 53}
